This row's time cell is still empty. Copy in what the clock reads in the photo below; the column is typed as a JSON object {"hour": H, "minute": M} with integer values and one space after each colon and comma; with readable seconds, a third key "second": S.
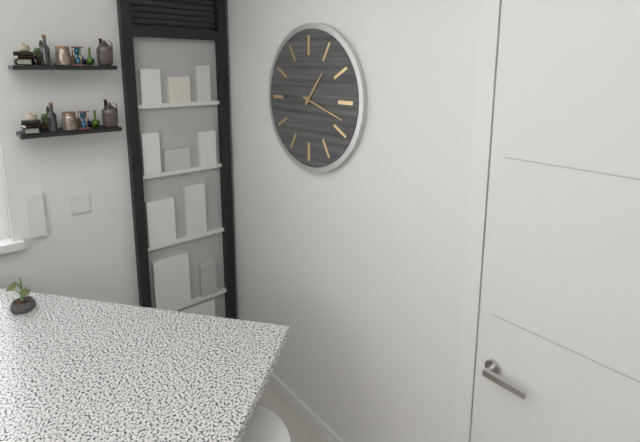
{"hour": 1, "minute": 18}
